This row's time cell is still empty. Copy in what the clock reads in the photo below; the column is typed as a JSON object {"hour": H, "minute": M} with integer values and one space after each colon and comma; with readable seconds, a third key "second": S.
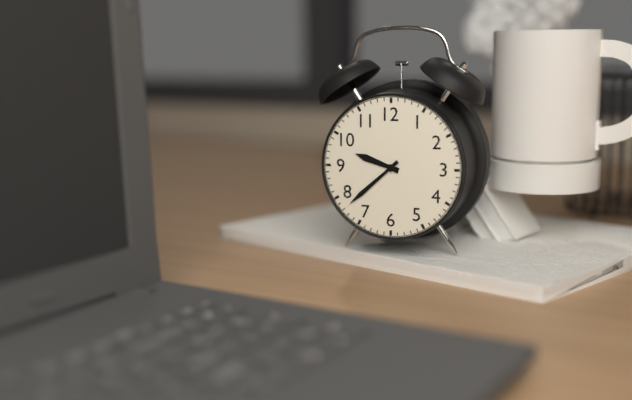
{"hour": 9, "minute": 38}
